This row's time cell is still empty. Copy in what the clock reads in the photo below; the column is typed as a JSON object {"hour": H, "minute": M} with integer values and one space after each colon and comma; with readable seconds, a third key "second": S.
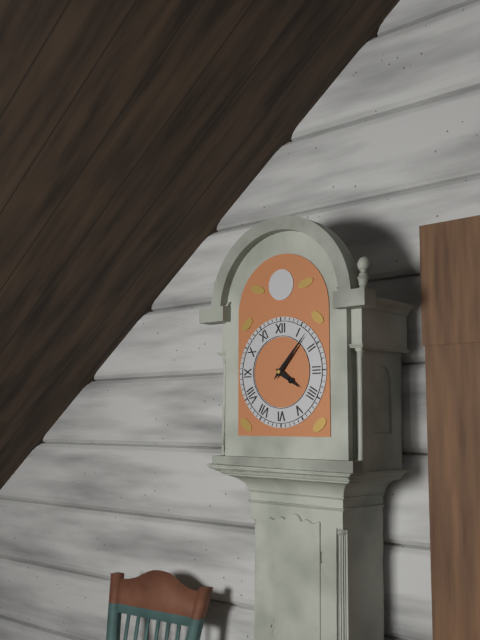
{"hour": 4, "minute": 7}
